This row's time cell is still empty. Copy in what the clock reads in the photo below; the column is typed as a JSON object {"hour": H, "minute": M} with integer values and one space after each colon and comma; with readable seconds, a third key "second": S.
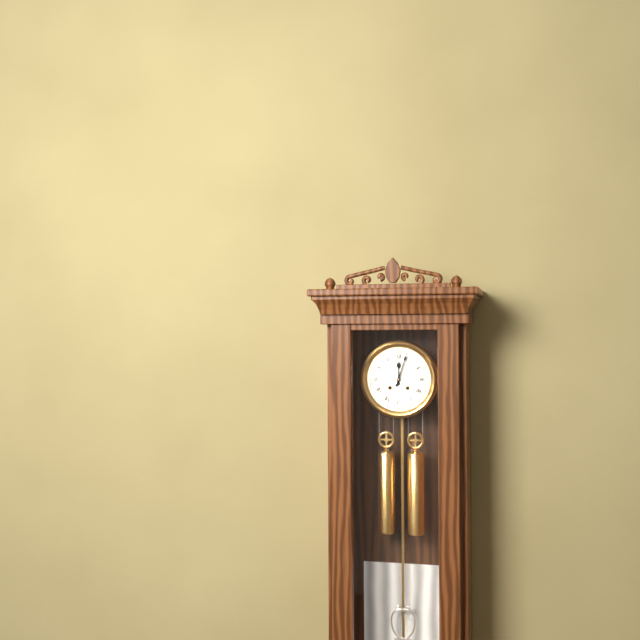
{"hour": 12, "minute": 3}
